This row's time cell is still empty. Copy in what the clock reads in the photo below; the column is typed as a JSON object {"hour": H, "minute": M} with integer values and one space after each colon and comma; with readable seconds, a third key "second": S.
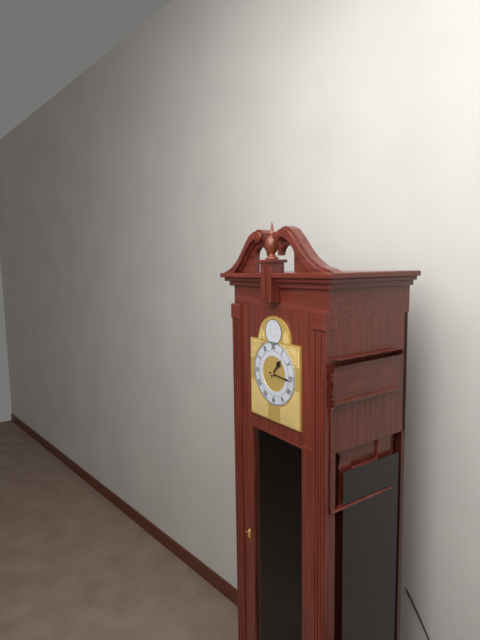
{"hour": 1, "minute": 16}
